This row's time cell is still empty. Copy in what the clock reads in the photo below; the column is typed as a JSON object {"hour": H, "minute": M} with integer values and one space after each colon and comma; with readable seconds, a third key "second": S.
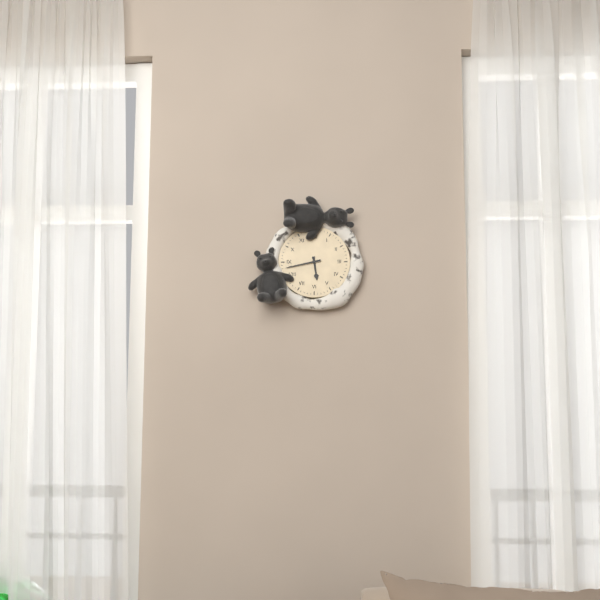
{"hour": 5, "minute": 43}
